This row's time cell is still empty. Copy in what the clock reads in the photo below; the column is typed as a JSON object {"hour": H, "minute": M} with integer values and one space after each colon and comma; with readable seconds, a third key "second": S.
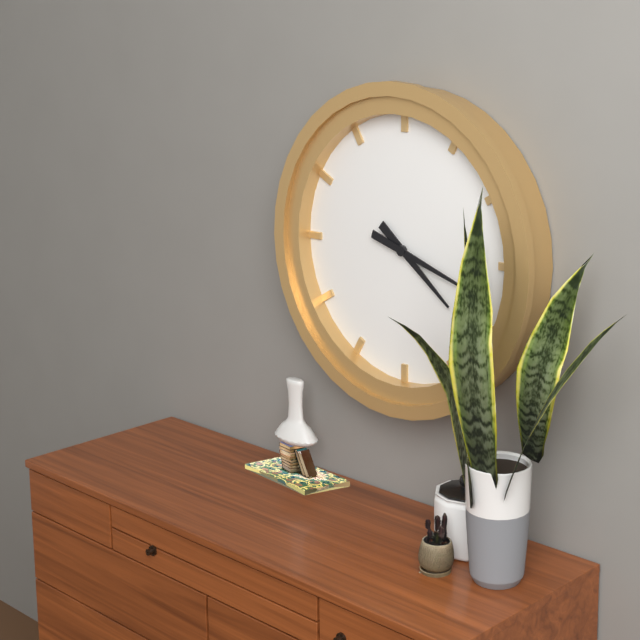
{"hour": 4, "minute": 18}
